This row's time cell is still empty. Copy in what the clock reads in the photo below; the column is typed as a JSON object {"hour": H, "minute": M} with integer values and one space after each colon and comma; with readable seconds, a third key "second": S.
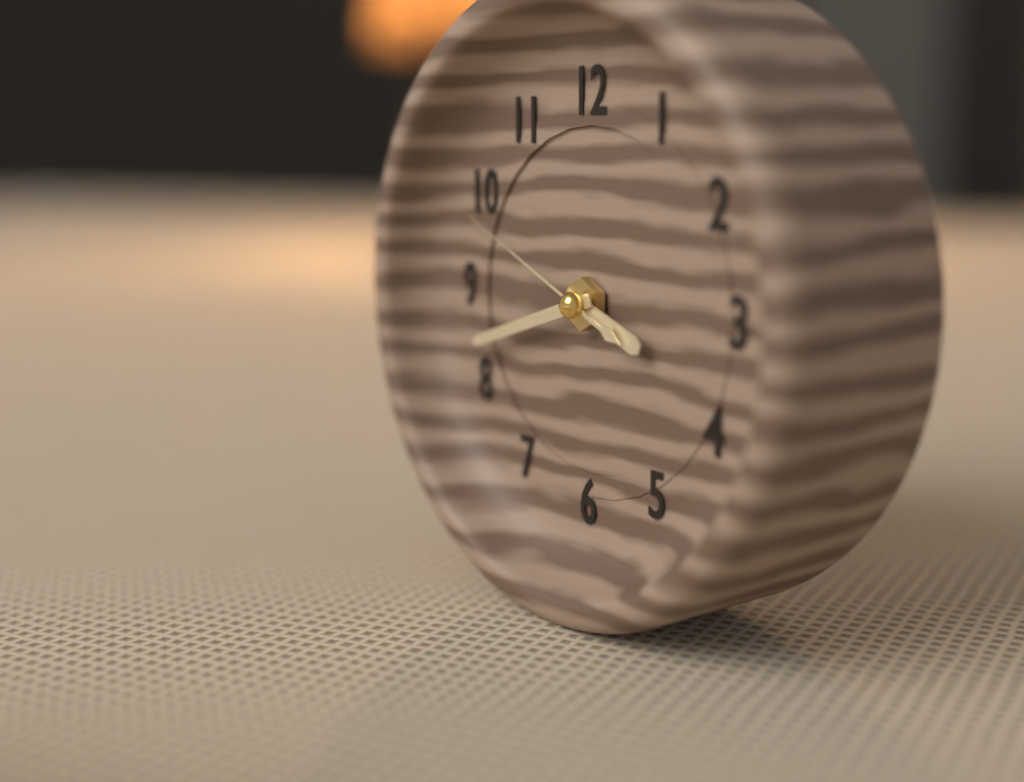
{"hour": 3, "minute": 42, "second": 49}
